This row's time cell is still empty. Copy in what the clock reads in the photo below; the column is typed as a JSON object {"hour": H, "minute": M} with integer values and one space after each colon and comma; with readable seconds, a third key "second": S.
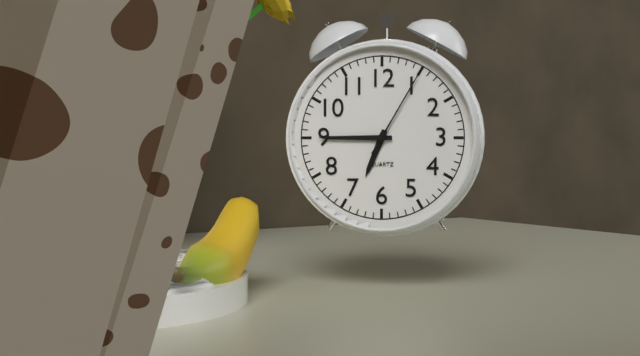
{"hour": 6, "minute": 45, "second": 5}
